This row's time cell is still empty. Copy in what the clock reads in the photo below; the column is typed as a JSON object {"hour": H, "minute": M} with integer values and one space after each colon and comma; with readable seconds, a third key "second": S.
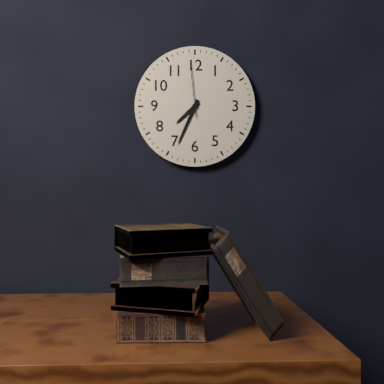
{"hour": 7, "minute": 34, "second": 59}
